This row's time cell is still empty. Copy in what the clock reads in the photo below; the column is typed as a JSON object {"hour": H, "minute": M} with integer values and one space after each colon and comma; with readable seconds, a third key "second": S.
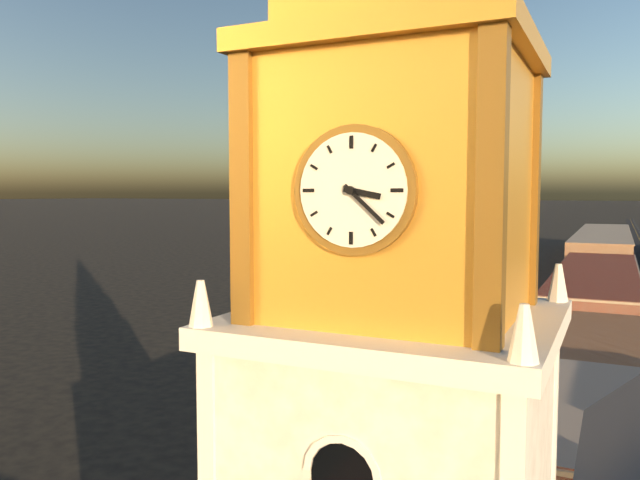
{"hour": 3, "minute": 22}
